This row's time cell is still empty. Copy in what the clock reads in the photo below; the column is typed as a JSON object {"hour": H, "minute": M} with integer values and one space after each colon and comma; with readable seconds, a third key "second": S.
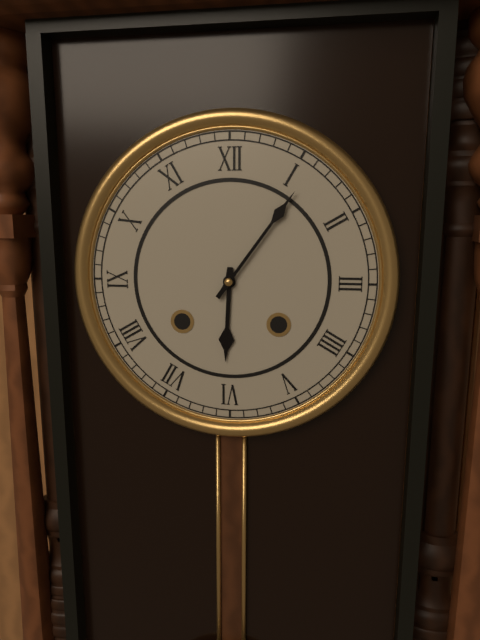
{"hour": 6, "minute": 6}
